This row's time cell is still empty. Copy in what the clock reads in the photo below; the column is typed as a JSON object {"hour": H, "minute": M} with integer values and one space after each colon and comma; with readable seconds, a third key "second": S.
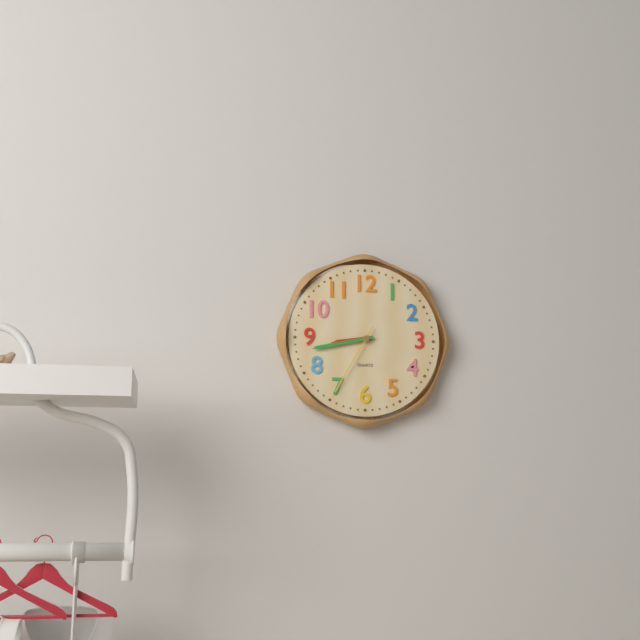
{"hour": 8, "minute": 43, "second": 35}
